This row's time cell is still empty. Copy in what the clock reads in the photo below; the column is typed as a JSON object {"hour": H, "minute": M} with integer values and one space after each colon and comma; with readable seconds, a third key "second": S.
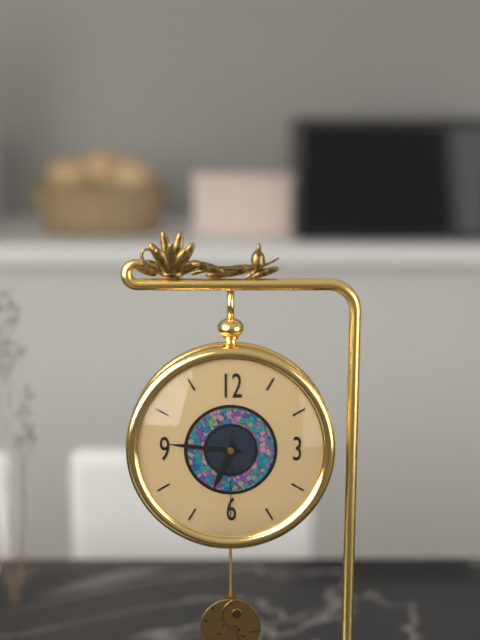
{"hour": 6, "minute": 46, "second": 30}
